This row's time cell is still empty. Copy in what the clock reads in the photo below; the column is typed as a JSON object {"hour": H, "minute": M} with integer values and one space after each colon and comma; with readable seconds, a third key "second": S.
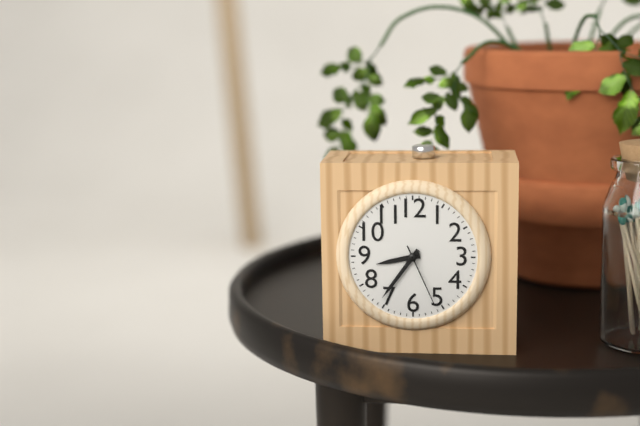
{"hour": 8, "minute": 36, "second": 26}
